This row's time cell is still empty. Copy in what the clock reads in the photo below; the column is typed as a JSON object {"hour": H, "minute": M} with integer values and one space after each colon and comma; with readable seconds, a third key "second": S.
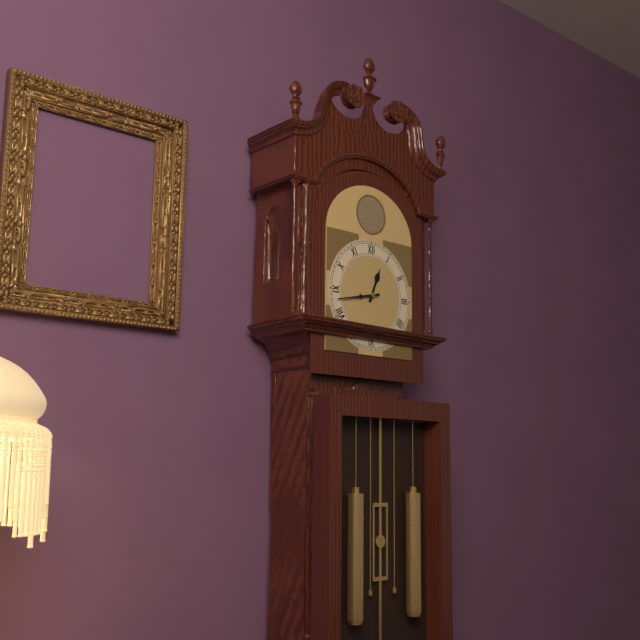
{"hour": 12, "minute": 43}
